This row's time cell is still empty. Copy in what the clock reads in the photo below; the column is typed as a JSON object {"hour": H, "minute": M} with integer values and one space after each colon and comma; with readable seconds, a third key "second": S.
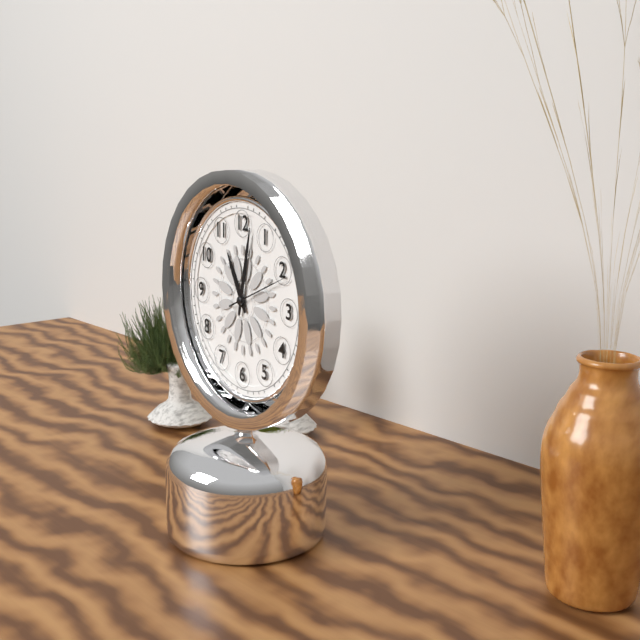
{"hour": 11, "minute": 2, "second": 11}
